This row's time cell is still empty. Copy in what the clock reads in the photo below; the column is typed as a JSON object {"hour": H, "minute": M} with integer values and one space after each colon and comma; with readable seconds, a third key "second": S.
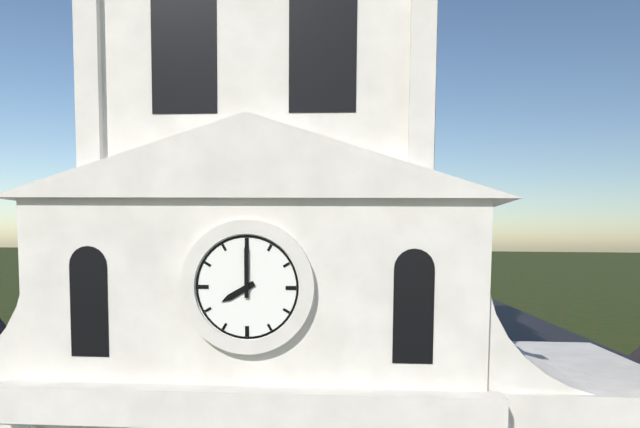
{"hour": 8, "minute": 0}
